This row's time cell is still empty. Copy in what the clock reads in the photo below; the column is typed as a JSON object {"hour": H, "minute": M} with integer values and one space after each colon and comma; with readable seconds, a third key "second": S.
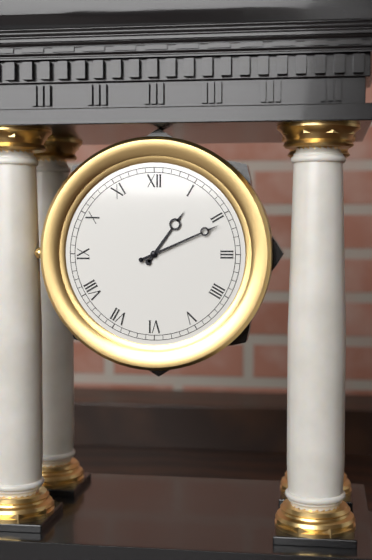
{"hour": 1, "minute": 11}
